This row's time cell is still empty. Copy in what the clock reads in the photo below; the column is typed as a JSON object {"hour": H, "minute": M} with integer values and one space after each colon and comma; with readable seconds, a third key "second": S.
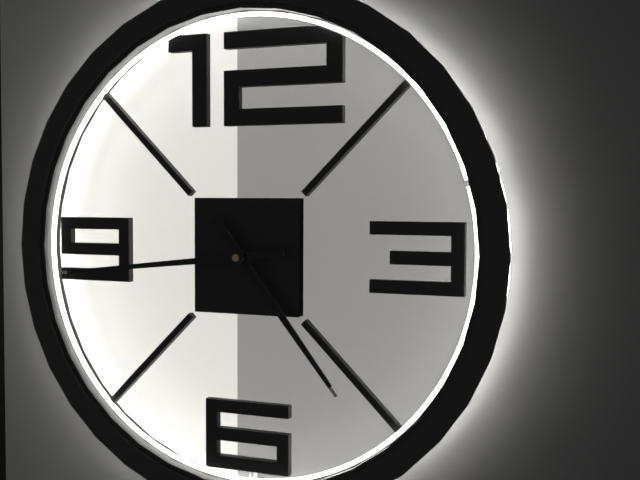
{"hour": 4, "minute": 44}
